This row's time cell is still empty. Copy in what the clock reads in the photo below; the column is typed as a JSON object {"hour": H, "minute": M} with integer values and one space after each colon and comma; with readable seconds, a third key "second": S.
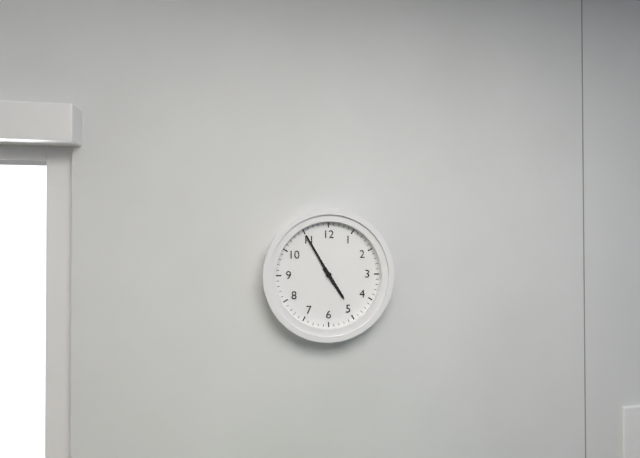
{"hour": 4, "minute": 55}
